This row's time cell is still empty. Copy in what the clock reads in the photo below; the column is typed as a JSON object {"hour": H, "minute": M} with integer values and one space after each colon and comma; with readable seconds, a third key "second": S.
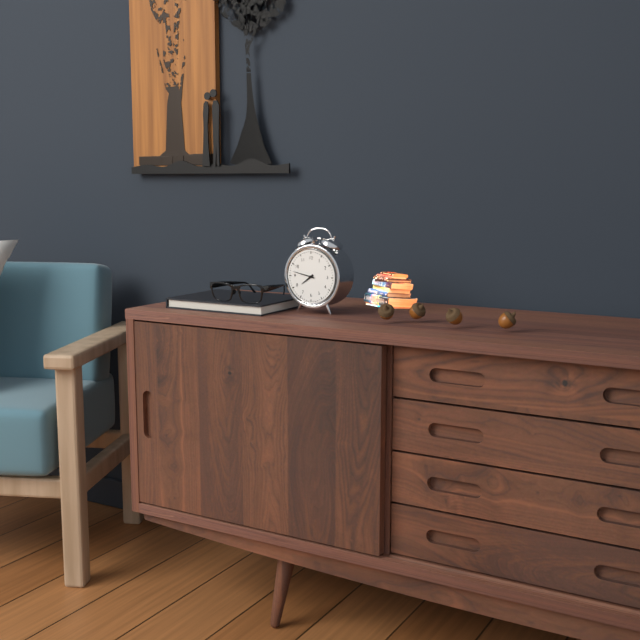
{"hour": 7, "minute": 47}
